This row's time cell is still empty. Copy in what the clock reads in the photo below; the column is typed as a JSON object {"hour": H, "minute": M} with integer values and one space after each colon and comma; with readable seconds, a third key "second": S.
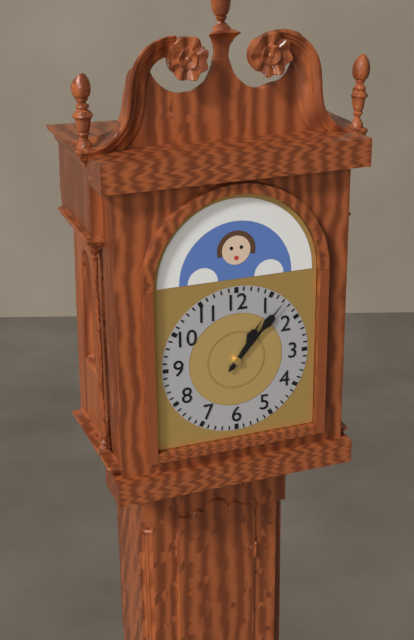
{"hour": 1, "minute": 7}
